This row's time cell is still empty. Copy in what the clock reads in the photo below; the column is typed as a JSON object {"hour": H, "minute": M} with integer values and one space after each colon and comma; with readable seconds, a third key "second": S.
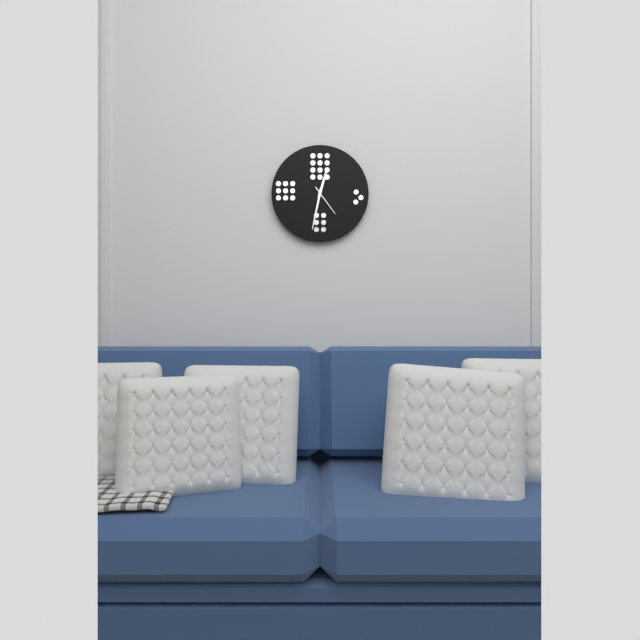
{"hour": 12, "minute": 32}
